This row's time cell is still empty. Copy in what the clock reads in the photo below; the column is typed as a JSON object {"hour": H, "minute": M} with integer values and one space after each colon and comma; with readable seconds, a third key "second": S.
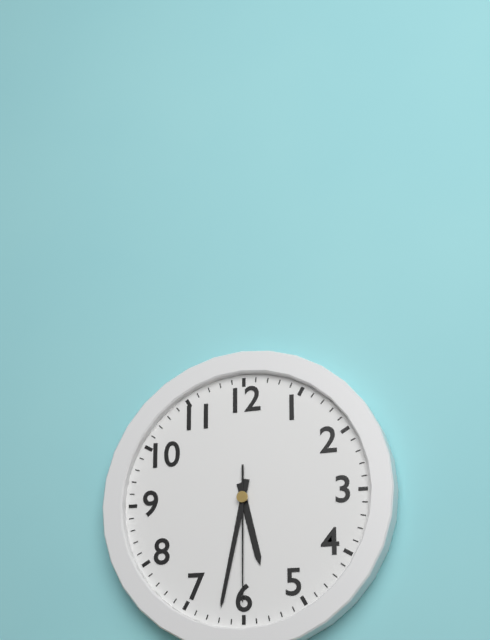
{"hour": 5, "minute": 32, "second": 30}
